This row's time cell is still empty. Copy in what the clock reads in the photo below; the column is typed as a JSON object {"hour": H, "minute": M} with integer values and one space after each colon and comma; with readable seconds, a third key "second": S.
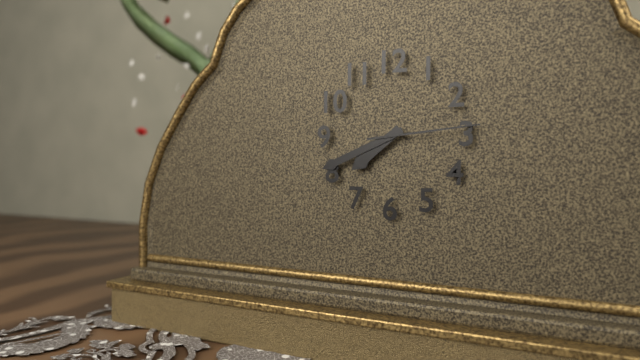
{"hour": 7, "minute": 41, "second": 14}
